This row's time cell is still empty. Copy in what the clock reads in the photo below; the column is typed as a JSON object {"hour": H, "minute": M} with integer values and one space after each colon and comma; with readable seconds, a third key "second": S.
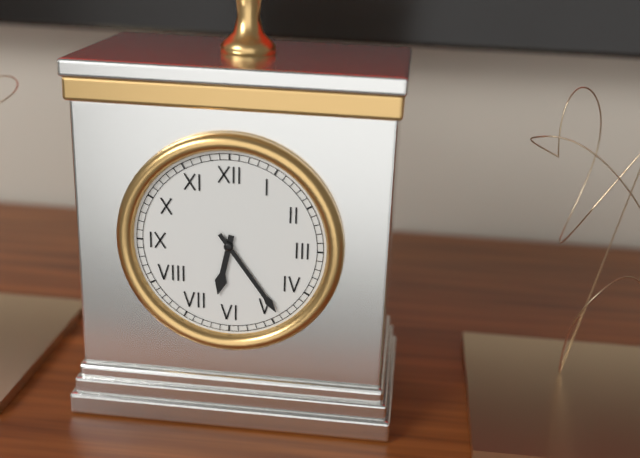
{"hour": 6, "minute": 24}
